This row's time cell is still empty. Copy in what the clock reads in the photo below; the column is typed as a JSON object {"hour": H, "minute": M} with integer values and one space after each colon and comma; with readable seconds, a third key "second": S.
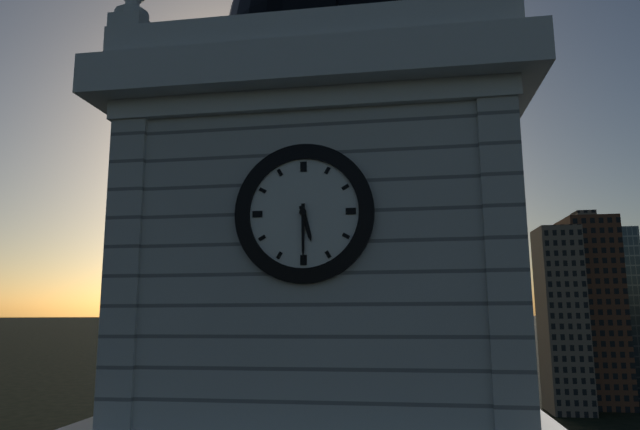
{"hour": 5, "minute": 30}
